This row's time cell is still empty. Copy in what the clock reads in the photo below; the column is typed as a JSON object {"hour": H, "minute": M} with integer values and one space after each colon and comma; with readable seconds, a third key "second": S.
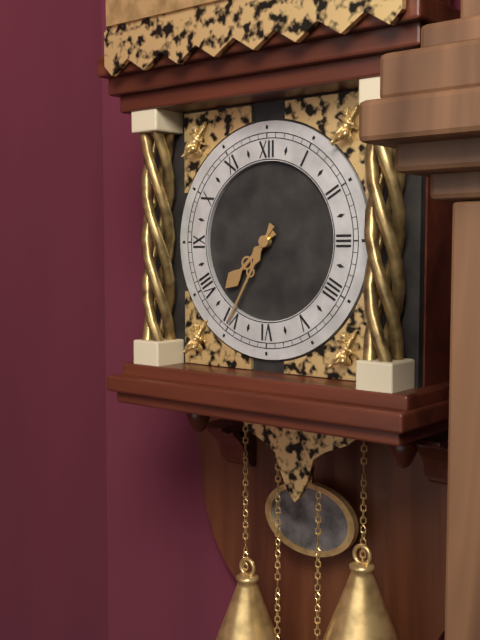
{"hour": 7, "minute": 35}
